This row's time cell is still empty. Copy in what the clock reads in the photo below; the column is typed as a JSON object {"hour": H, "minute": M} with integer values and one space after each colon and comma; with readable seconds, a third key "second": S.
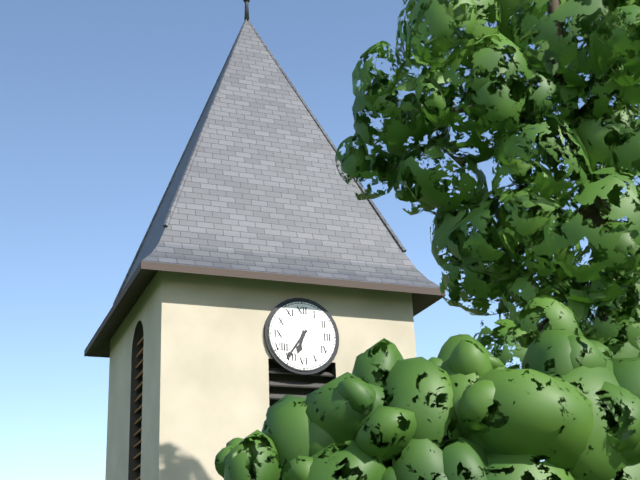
{"hour": 6, "minute": 36}
